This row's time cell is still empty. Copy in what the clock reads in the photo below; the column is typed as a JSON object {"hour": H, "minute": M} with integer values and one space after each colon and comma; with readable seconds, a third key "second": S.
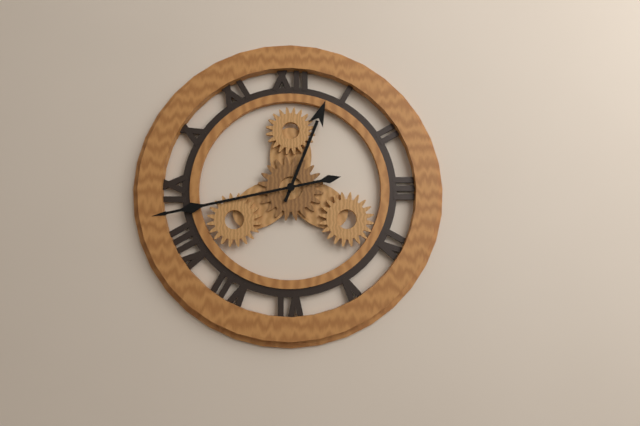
{"hour": 12, "minute": 43}
